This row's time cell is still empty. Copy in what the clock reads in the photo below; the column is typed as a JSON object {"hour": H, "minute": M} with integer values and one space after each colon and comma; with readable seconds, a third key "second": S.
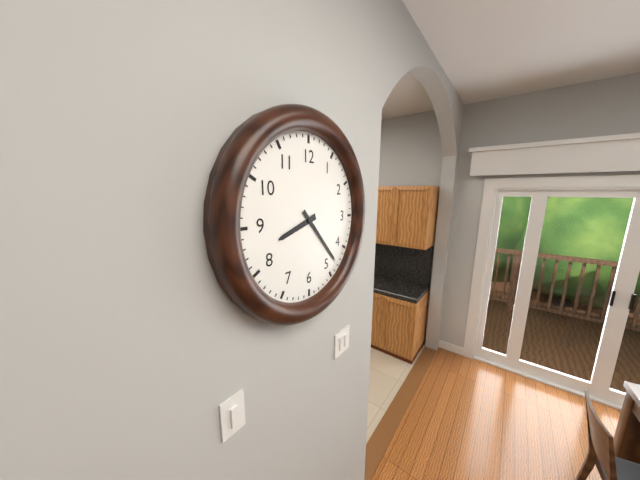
{"hour": 8, "minute": 23}
